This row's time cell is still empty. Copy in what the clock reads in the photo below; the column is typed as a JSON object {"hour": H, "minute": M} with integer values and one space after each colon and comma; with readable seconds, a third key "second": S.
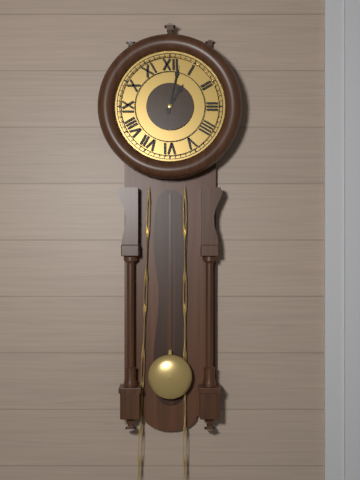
{"hour": 1, "minute": 2}
